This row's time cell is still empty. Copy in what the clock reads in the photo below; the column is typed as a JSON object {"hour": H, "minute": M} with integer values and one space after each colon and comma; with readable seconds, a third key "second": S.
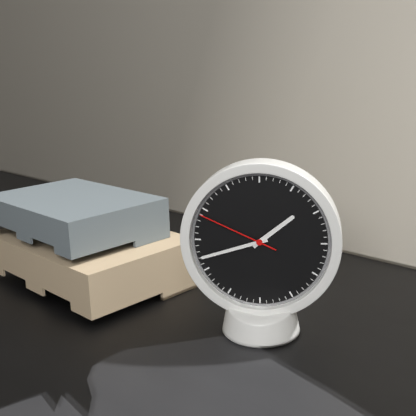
{"hour": 1, "minute": 42, "second": 49}
